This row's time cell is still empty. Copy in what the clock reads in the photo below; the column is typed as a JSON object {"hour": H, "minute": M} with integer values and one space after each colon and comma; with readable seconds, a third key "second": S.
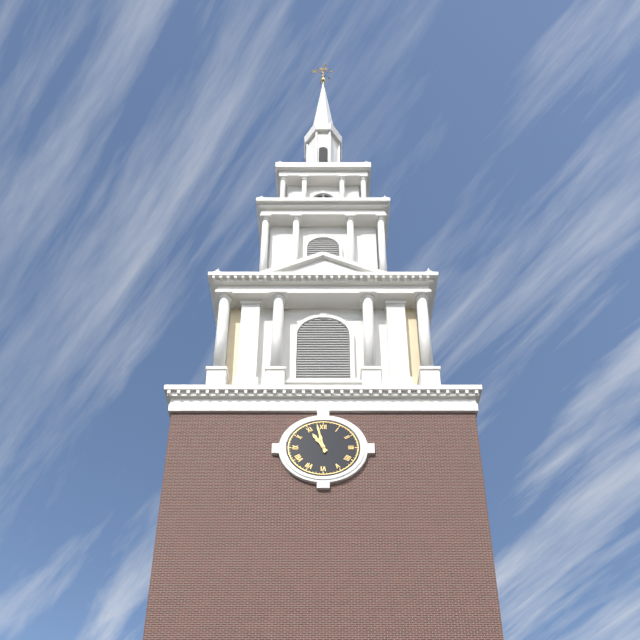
{"hour": 10, "minute": 58}
